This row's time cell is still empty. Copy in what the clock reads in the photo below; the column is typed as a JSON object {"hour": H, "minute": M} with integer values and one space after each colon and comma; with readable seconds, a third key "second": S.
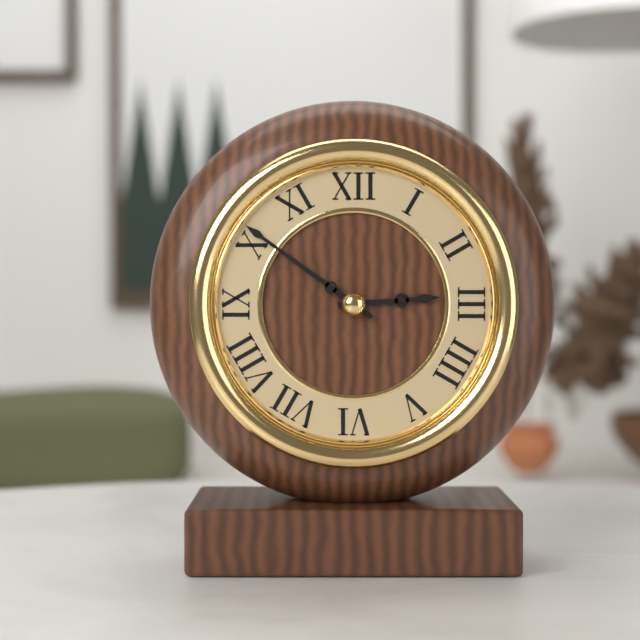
{"hour": 2, "minute": 51}
